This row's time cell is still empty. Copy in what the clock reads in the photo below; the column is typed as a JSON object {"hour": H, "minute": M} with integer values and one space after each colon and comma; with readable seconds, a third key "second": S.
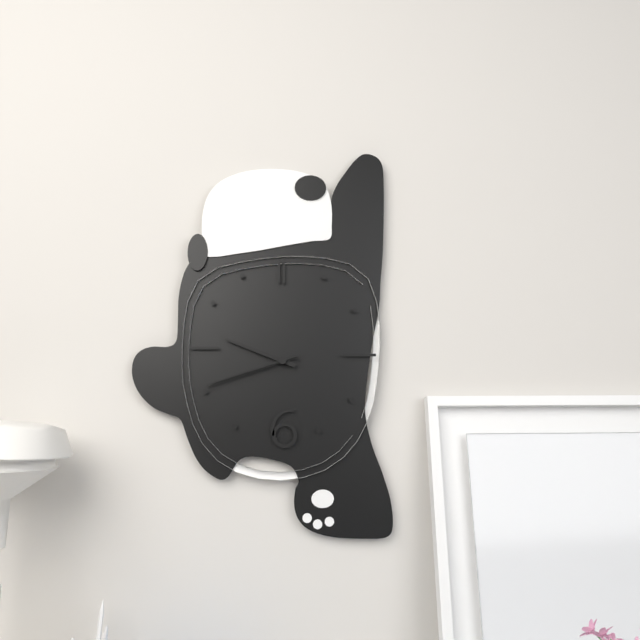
{"hour": 9, "minute": 42, "second": 42}
